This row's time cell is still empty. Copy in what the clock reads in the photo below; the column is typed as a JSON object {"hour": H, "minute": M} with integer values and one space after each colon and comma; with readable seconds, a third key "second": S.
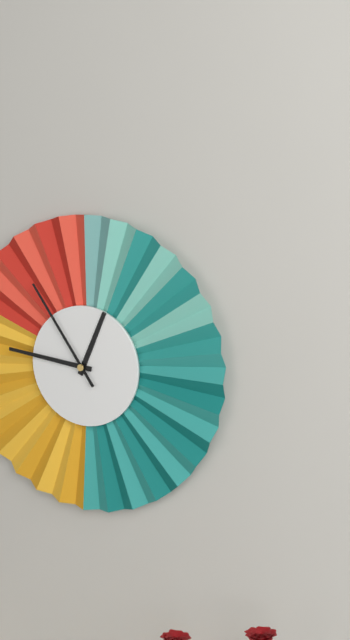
{"hour": 12, "minute": 46, "second": 54}
